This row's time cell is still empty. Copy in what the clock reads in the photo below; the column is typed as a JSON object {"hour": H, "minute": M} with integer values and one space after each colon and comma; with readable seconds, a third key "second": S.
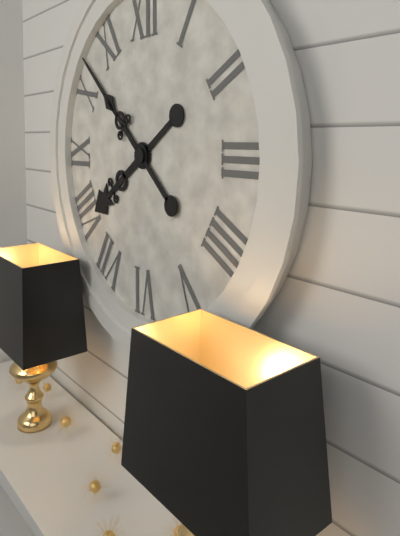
{"hour": 7, "minute": 52}
